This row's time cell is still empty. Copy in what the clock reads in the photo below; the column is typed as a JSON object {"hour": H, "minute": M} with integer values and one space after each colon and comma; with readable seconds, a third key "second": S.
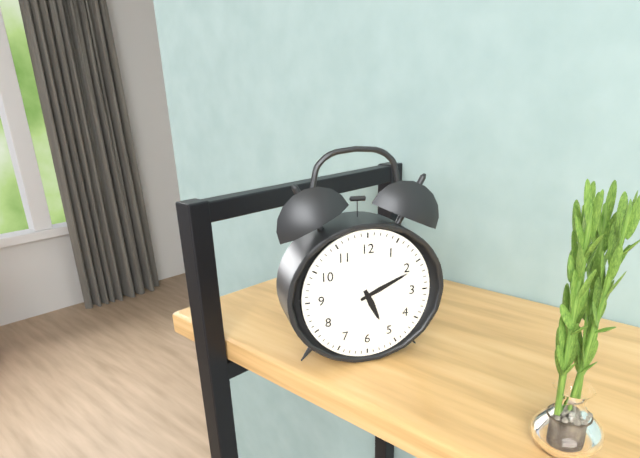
{"hour": 5, "minute": 11}
